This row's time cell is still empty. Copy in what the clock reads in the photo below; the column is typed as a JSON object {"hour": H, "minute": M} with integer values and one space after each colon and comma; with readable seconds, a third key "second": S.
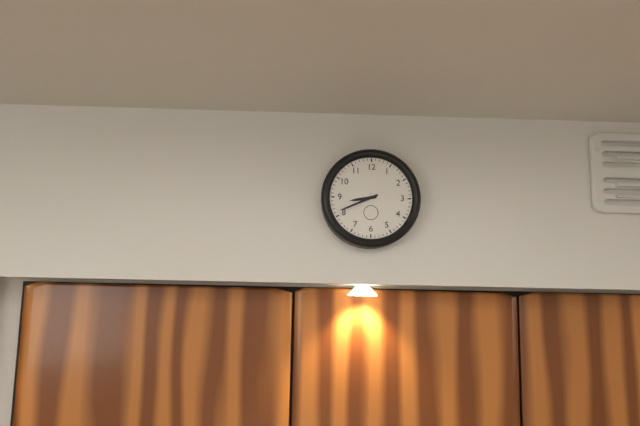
{"hour": 8, "minute": 41}
